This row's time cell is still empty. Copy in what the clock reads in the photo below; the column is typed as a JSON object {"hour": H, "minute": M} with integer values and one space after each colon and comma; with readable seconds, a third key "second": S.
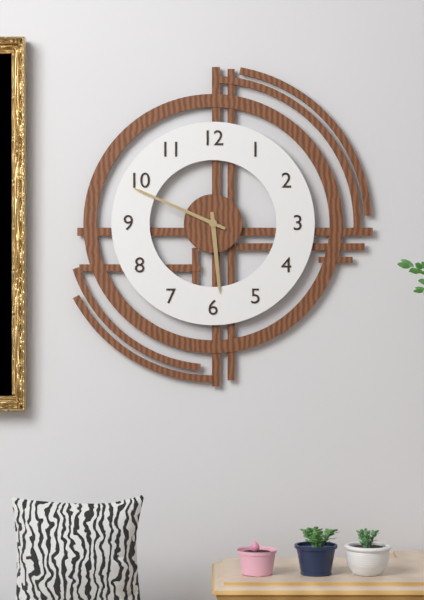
{"hour": 5, "minute": 49}
